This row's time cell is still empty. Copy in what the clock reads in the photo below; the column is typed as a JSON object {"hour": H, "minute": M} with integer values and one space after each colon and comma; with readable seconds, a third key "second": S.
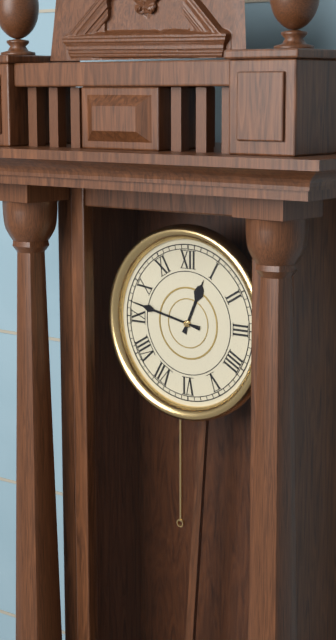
{"hour": 12, "minute": 47}
